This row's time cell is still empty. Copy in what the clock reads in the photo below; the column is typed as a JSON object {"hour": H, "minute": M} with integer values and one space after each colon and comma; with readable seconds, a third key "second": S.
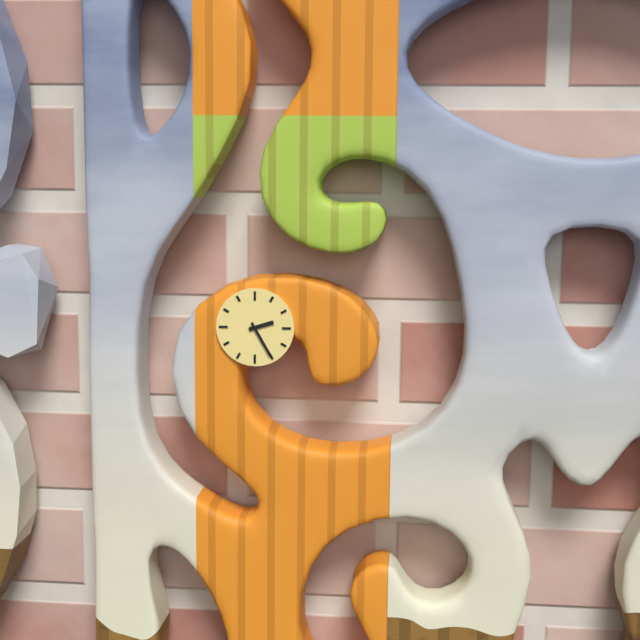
{"hour": 2, "minute": 25}
